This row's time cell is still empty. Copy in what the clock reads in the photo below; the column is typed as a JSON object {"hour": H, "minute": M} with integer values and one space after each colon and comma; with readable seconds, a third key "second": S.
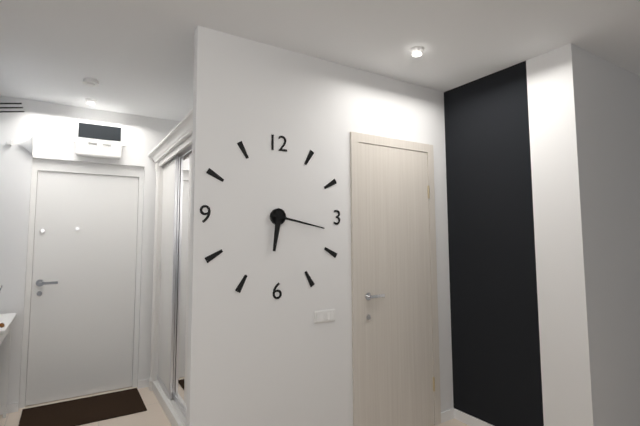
{"hour": 6, "minute": 17}
